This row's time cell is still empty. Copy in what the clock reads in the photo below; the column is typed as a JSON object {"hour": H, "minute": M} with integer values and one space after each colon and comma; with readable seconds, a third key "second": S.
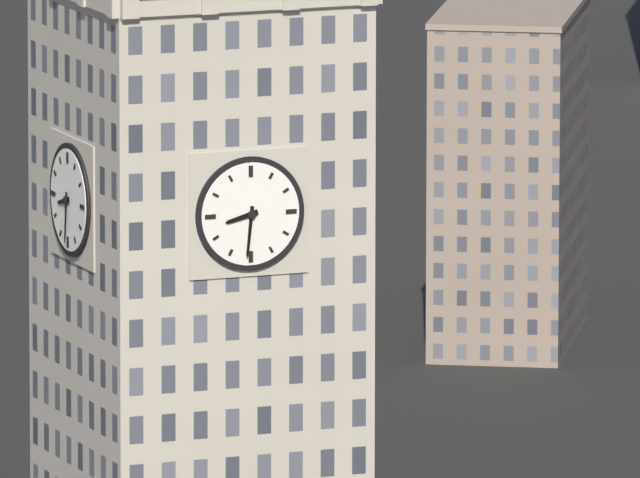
{"hour": 8, "minute": 31}
